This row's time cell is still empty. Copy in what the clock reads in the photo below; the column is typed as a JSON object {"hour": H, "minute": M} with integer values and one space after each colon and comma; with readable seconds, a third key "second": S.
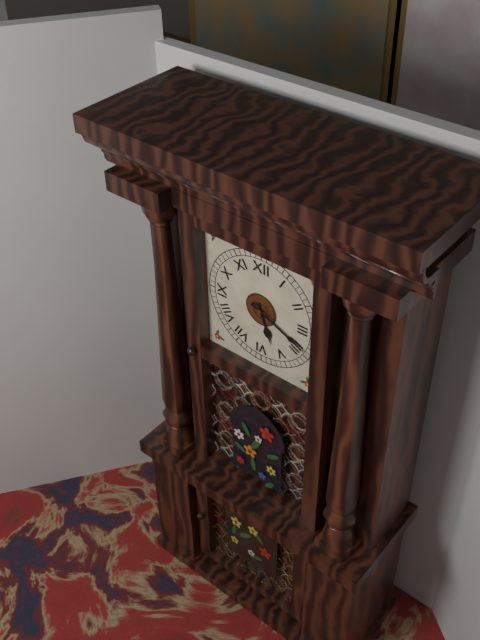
{"hour": 5, "minute": 19}
